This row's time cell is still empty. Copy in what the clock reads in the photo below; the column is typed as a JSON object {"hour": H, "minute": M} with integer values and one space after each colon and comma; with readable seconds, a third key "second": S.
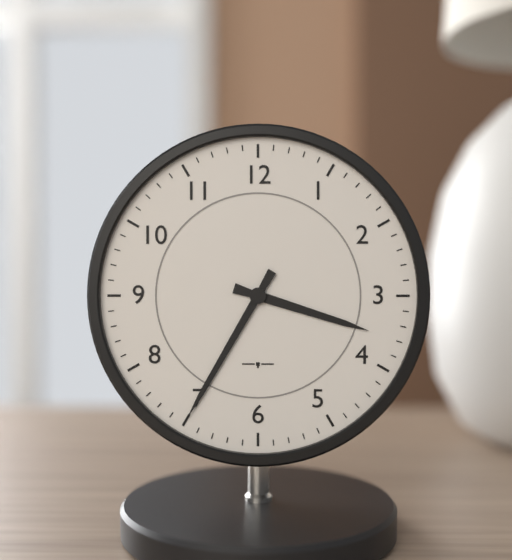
{"hour": 3, "minute": 35}
